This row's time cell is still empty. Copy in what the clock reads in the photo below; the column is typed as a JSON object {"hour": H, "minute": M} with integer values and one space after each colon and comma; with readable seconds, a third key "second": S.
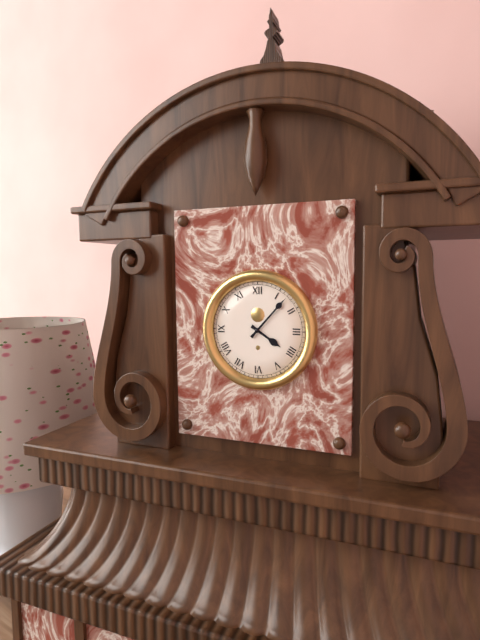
{"hour": 4, "minute": 7}
